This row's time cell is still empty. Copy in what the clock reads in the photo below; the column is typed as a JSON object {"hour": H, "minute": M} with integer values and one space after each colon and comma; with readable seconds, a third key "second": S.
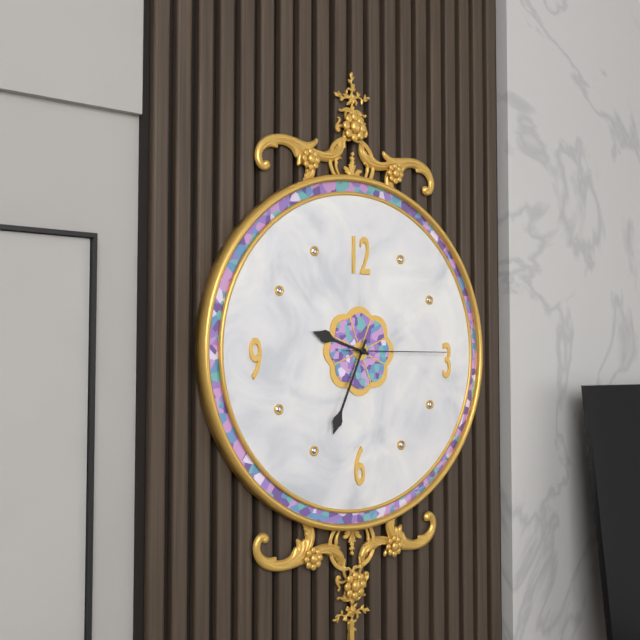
{"hour": 9, "minute": 34, "second": 15}
